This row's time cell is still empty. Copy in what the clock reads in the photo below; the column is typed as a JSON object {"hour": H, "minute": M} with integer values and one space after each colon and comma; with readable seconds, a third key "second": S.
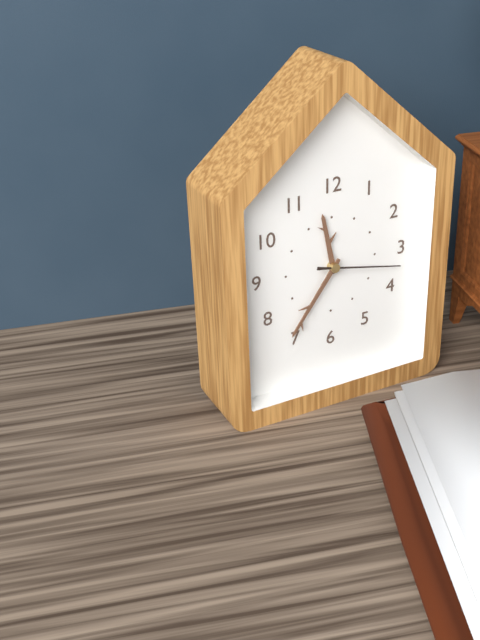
{"hour": 11, "minute": 36, "second": 17}
